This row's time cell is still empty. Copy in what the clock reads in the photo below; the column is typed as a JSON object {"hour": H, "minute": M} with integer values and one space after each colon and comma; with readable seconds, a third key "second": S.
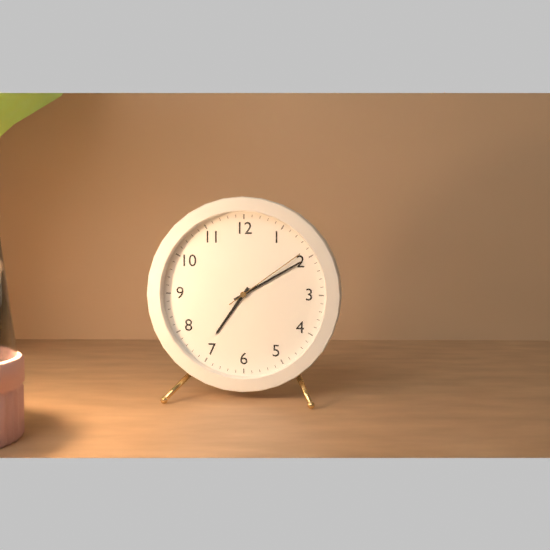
{"hour": 7, "minute": 10, "second": 9}
